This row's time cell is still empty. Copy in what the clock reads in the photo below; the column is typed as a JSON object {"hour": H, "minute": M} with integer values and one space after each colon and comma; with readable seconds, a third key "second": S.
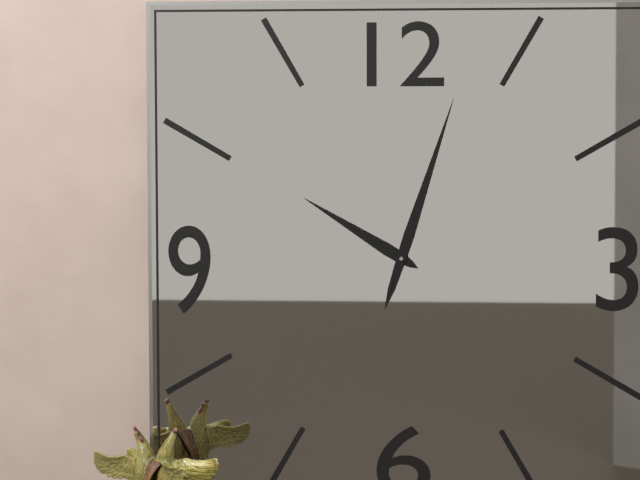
{"hour": 10, "minute": 3}
